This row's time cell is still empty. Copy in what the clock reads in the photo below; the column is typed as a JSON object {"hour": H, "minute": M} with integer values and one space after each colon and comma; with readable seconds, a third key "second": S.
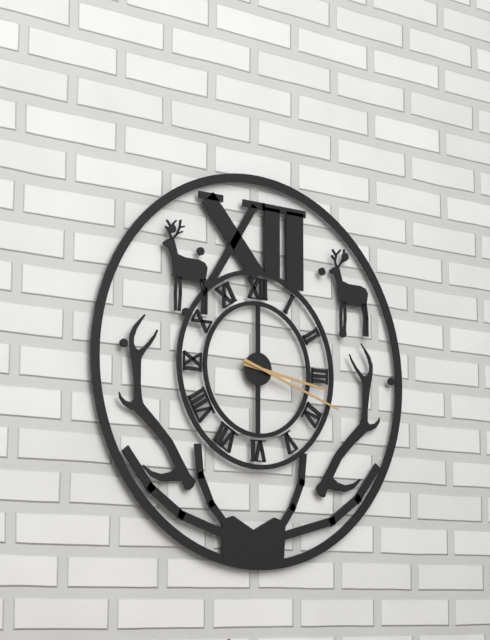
{"hour": 3, "minute": 18}
